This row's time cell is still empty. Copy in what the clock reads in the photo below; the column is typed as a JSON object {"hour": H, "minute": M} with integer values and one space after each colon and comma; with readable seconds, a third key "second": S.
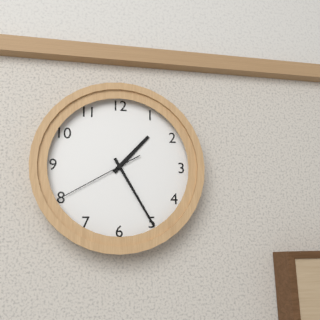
{"hour": 1, "minute": 25, "second": 40}
